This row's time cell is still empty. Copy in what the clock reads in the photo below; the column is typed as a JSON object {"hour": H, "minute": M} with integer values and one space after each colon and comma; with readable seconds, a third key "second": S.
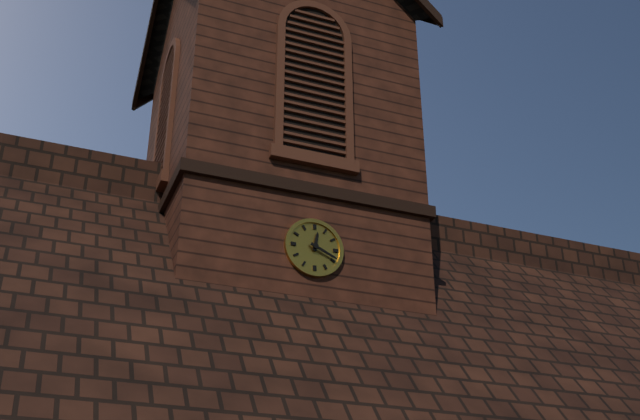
{"hour": 12, "minute": 19}
